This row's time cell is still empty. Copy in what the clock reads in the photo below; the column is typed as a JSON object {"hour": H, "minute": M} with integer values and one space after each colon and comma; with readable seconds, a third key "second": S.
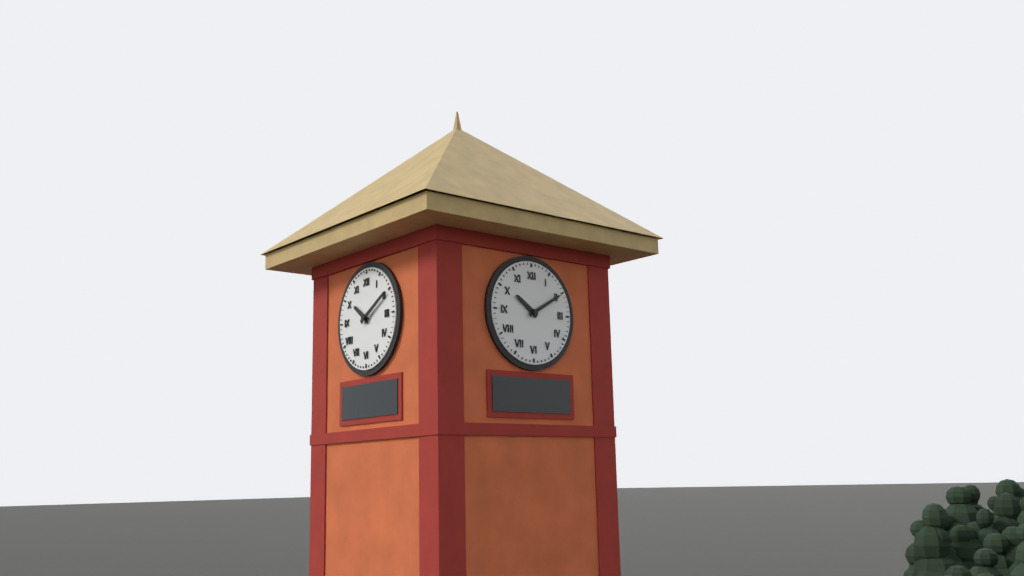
{"hour": 10, "minute": 10}
